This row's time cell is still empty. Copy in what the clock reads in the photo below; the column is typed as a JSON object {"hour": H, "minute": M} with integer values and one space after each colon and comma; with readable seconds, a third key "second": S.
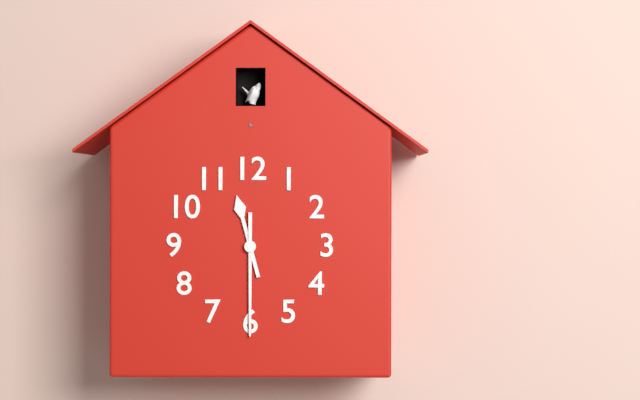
{"hour": 11, "minute": 30}
